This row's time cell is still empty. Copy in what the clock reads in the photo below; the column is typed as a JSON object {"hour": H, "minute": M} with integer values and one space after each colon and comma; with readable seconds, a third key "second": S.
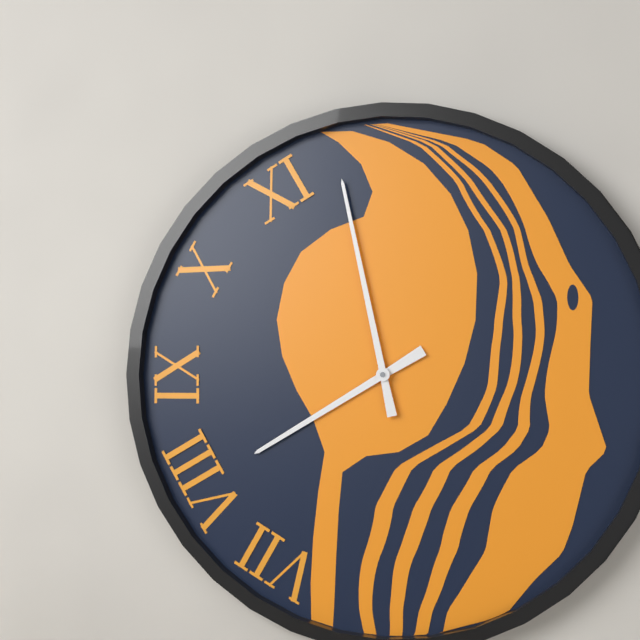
{"hour": 7, "minute": 58}
